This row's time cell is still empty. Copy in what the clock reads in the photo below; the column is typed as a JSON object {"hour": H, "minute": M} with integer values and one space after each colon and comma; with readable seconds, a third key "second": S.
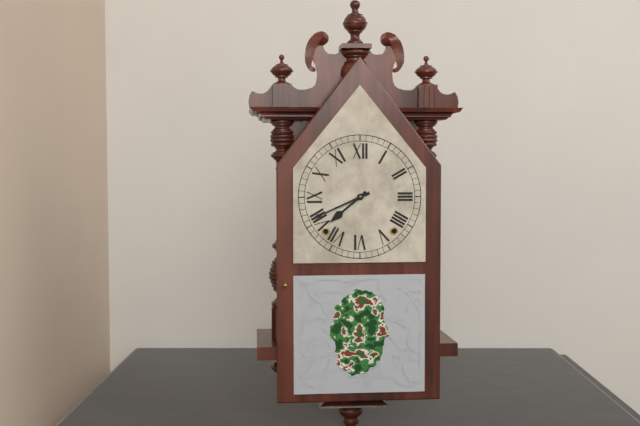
{"hour": 7, "minute": 41}
